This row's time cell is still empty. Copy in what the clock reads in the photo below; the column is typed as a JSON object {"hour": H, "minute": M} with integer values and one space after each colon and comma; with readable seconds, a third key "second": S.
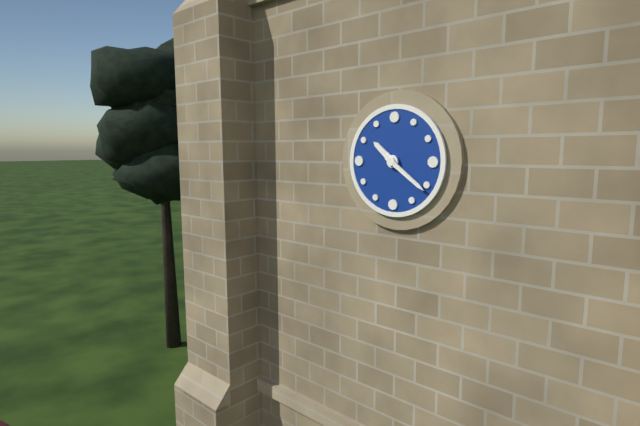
{"hour": 10, "minute": 21}
